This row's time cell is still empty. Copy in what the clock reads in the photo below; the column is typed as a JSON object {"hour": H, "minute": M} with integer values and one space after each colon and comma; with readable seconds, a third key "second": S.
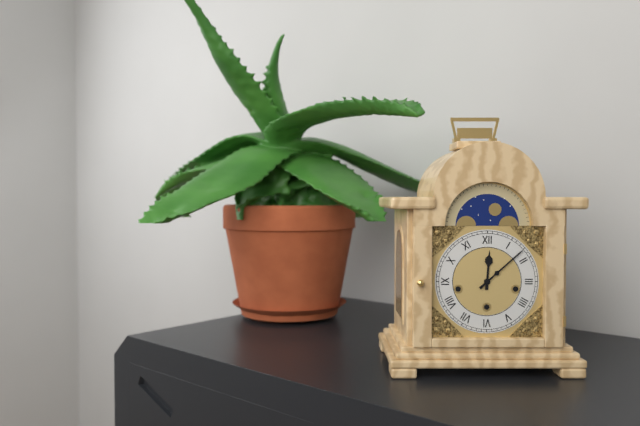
{"hour": 12, "minute": 8}
